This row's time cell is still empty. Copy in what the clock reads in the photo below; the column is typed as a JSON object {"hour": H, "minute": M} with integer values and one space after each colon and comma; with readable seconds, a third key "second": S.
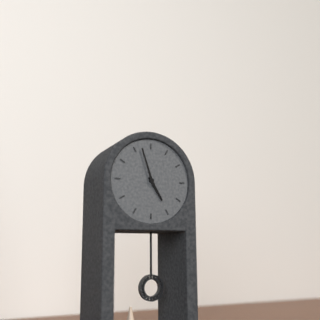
{"hour": 4, "minute": 57}
